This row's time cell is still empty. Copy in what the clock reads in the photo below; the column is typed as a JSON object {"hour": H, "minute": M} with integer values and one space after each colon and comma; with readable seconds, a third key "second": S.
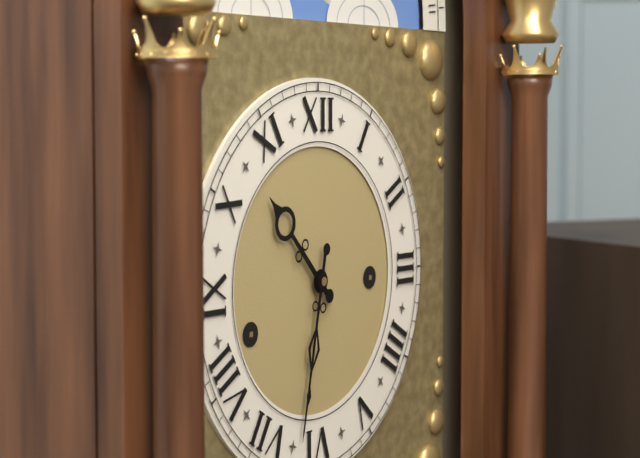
{"hour": 10, "minute": 32}
